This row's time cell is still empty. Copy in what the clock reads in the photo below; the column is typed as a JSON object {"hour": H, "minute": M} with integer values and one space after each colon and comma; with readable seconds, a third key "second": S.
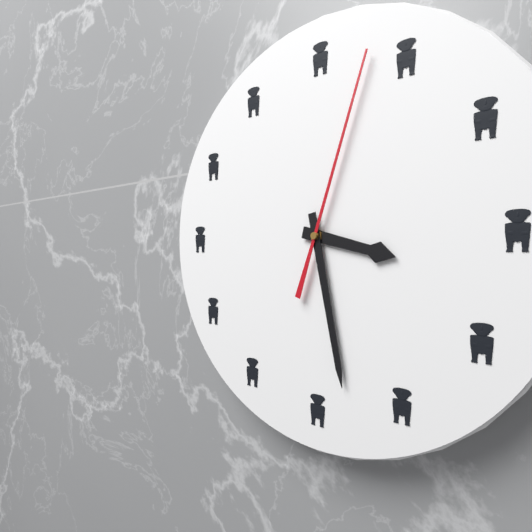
{"hour": 3, "minute": 28, "second": 3}
